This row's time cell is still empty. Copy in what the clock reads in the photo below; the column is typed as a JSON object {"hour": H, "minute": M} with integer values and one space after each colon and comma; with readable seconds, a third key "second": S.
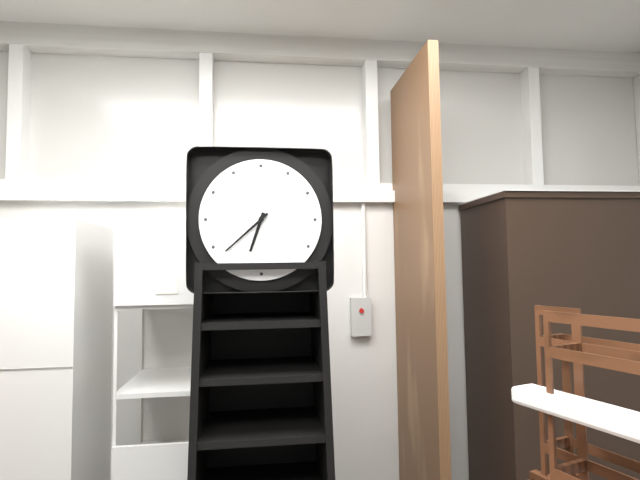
{"hour": 6, "minute": 38}
